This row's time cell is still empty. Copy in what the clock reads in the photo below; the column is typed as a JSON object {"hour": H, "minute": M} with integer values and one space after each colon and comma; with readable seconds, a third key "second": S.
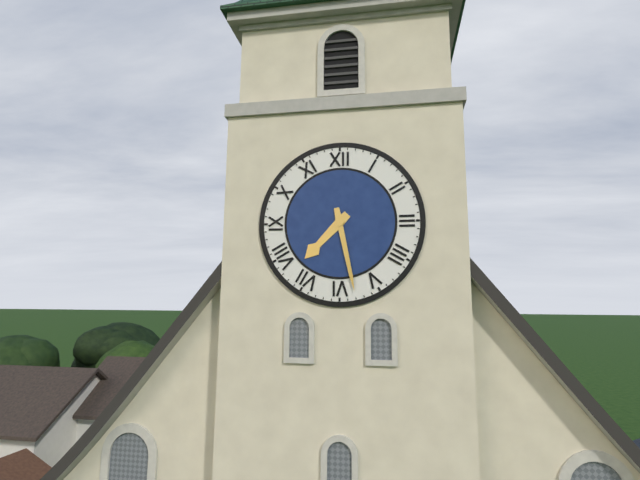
{"hour": 7, "minute": 28}
